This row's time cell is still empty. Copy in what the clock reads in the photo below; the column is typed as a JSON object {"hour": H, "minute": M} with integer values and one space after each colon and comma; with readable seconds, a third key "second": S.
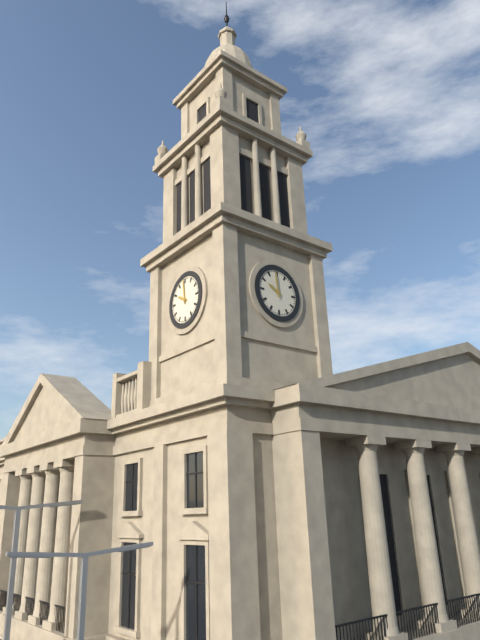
{"hour": 9, "minute": 59}
